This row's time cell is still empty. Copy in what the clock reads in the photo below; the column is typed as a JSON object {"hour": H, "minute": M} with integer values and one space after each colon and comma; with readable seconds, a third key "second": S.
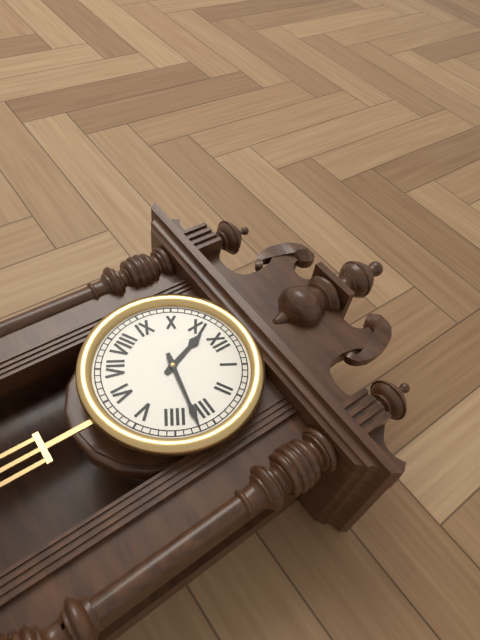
{"hour": 11, "minute": 17}
